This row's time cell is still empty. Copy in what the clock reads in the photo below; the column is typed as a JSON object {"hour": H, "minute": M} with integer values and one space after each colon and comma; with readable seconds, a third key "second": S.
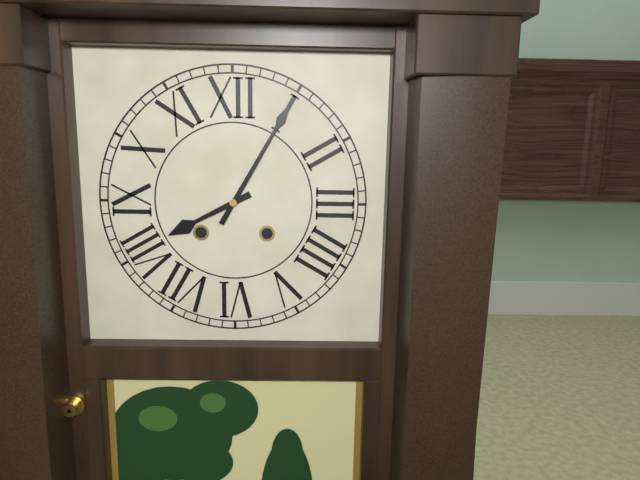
{"hour": 8, "minute": 5}
